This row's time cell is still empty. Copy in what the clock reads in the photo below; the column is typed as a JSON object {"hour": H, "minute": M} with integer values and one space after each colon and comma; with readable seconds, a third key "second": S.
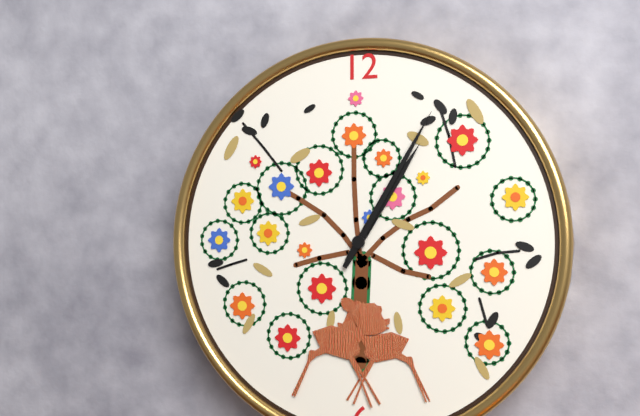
{"hour": 1, "minute": 5}
